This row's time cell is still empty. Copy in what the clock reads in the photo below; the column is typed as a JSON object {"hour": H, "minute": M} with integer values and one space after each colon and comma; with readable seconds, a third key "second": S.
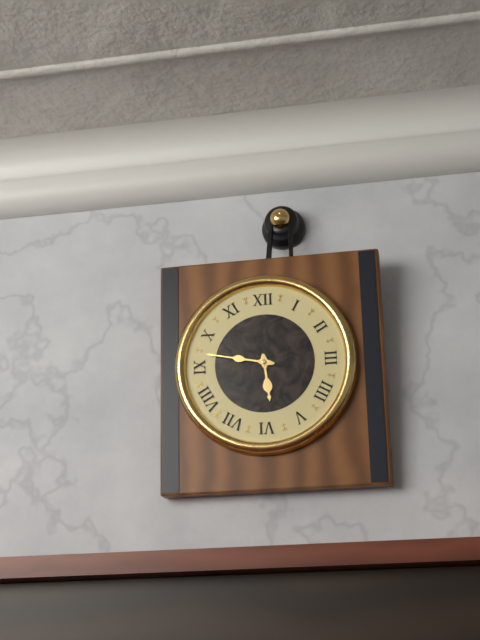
{"hour": 5, "minute": 47}
